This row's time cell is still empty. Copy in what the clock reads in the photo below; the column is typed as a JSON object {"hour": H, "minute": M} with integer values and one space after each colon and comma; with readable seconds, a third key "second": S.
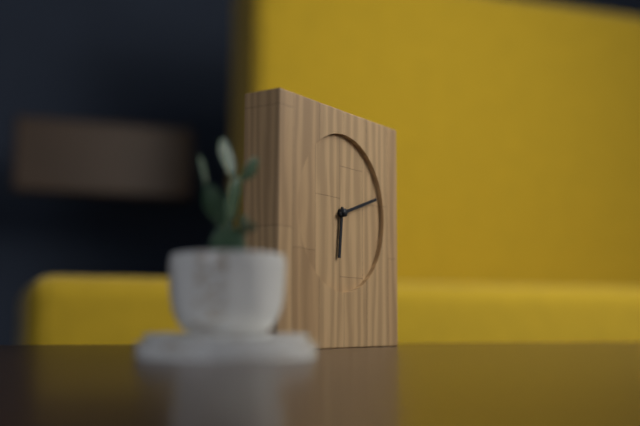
{"hour": 6, "minute": 12}
